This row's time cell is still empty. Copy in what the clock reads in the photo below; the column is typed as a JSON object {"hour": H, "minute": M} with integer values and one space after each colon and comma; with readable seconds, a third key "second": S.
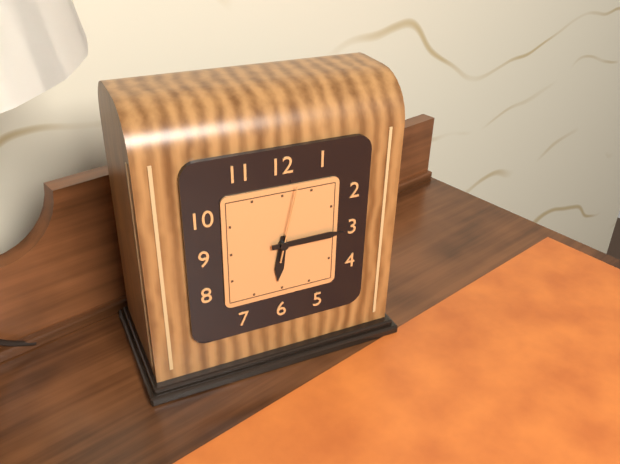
{"hour": 6, "minute": 15, "second": 2}
